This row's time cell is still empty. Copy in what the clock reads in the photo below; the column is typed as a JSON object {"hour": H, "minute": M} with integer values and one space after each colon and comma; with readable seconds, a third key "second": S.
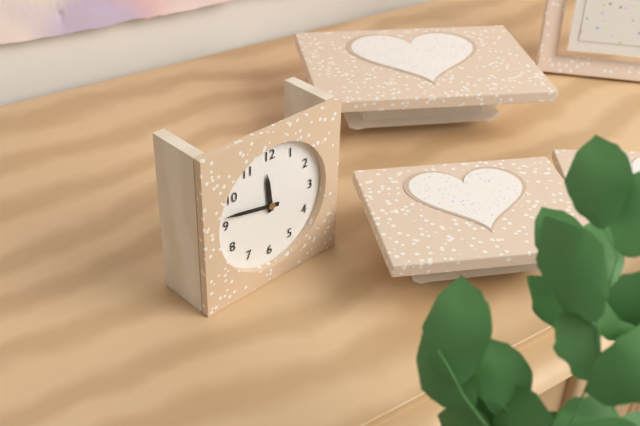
{"hour": 11, "minute": 47}
